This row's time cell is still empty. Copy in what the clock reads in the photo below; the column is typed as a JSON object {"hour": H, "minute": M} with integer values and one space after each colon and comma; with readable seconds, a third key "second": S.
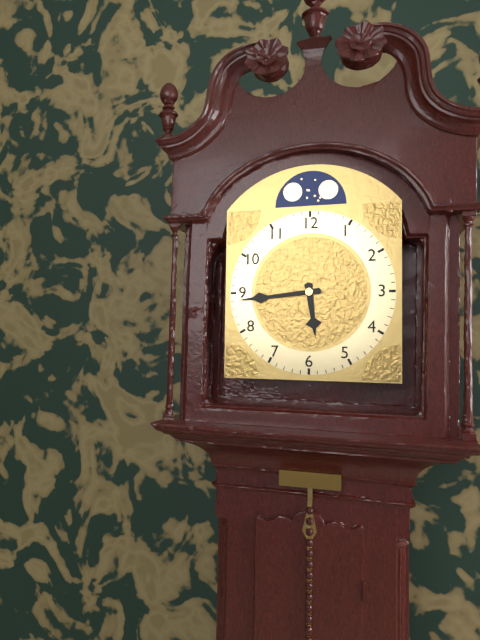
{"hour": 5, "minute": 44}
